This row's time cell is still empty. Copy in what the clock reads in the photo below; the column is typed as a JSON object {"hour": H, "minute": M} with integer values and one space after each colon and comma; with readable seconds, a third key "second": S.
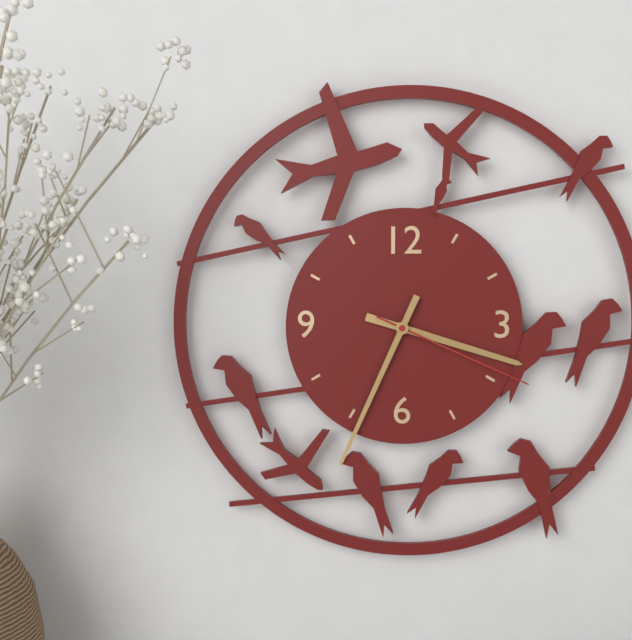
{"hour": 3, "minute": 34, "second": 19}
